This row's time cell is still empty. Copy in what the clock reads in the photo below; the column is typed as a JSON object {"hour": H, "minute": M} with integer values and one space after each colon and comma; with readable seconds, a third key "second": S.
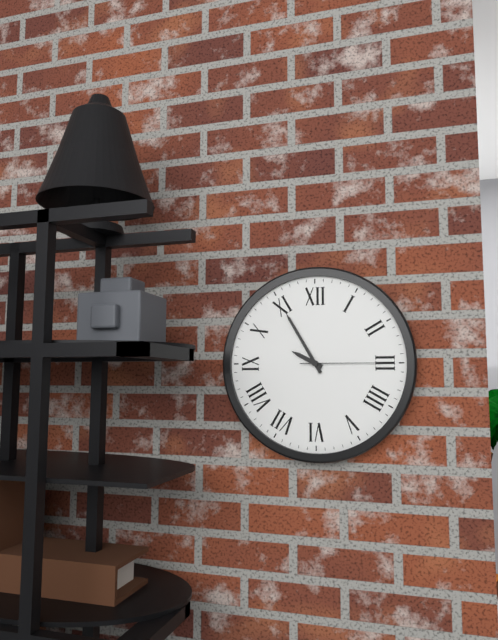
{"hour": 9, "minute": 55, "second": 15}
